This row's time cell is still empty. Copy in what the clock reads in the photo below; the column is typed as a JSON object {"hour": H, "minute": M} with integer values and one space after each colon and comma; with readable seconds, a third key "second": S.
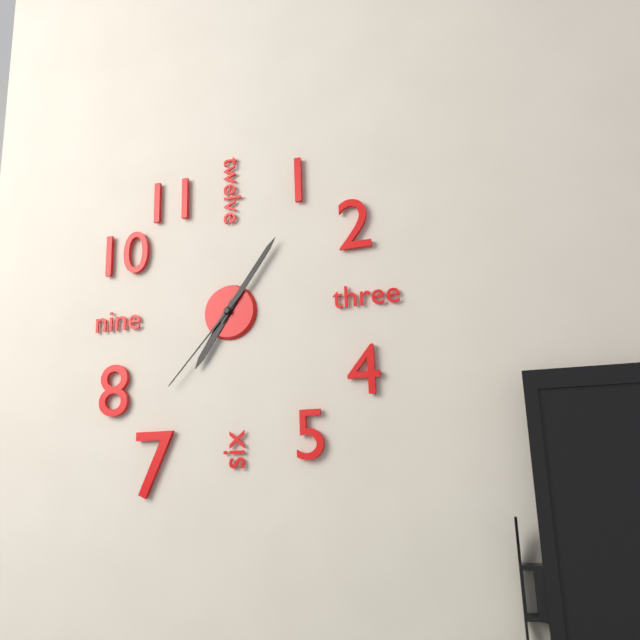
{"hour": 7, "minute": 6, "second": 37}
